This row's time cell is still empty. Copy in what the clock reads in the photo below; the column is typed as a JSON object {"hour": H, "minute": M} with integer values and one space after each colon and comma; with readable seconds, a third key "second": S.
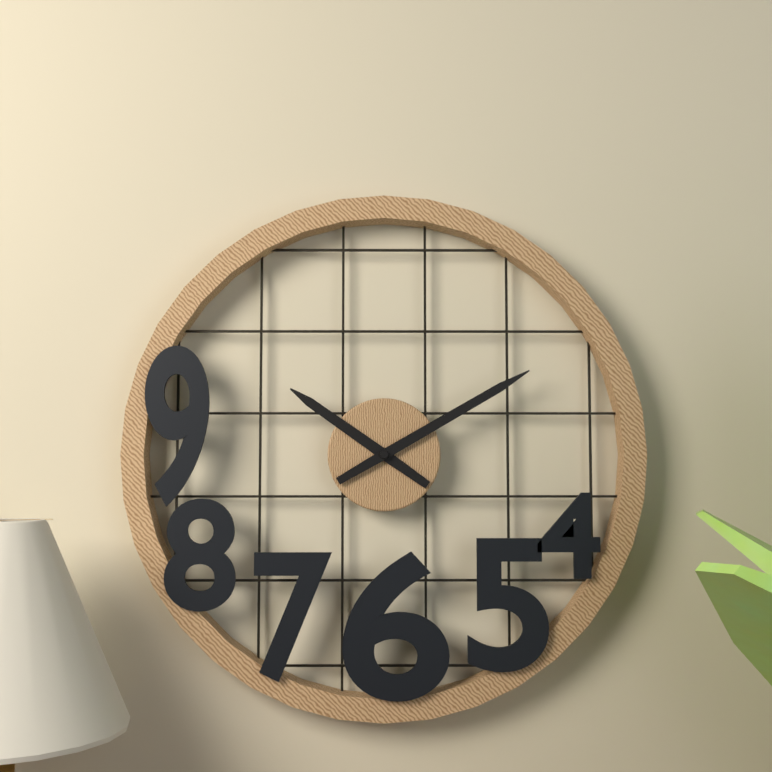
{"hour": 10, "minute": 10}
